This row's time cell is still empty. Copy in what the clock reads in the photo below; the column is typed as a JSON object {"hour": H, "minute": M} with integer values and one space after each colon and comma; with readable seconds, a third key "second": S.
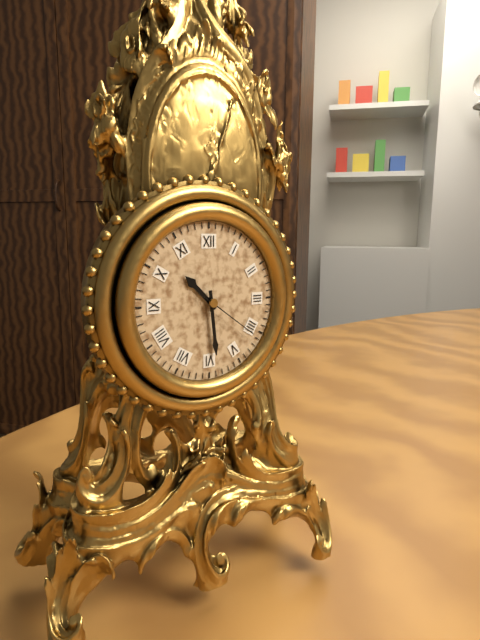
{"hour": 10, "minute": 29, "second": 21}
